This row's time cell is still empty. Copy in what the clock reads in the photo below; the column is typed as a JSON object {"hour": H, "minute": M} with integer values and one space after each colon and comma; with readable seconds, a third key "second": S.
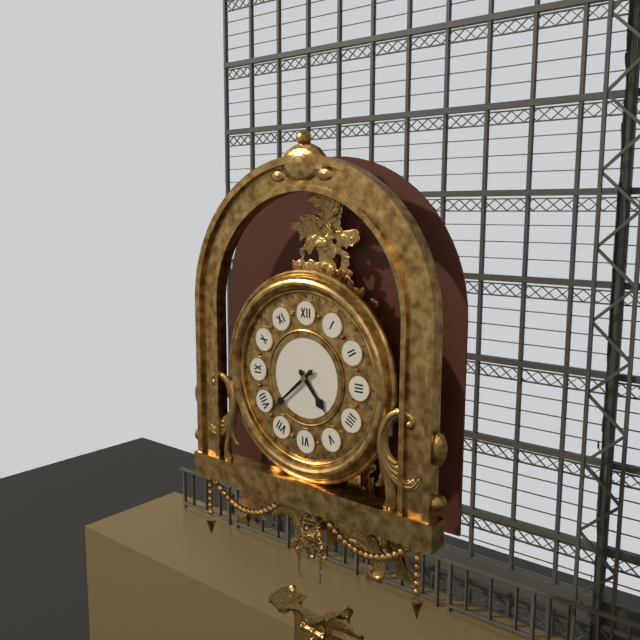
{"hour": 4, "minute": 38}
